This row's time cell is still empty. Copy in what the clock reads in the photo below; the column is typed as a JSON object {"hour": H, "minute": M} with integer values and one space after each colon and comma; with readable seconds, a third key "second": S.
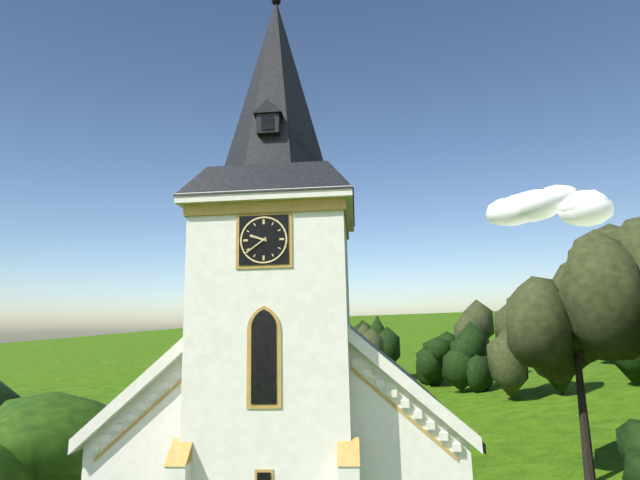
{"hour": 9, "minute": 39}
